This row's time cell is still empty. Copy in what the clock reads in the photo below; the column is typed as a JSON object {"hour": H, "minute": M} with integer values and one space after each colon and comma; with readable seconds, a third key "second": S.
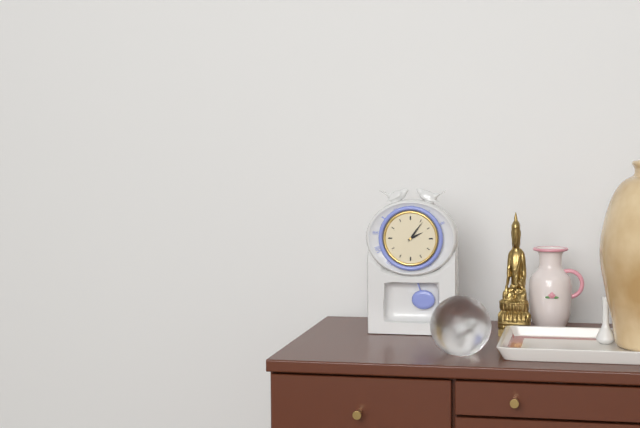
{"hour": 2, "minute": 6}
